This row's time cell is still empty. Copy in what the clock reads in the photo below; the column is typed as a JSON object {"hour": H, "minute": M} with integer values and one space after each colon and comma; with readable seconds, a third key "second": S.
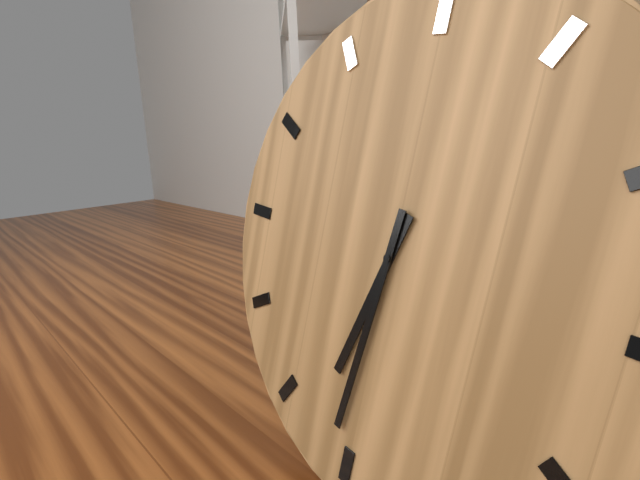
{"hour": 6, "minute": 31}
